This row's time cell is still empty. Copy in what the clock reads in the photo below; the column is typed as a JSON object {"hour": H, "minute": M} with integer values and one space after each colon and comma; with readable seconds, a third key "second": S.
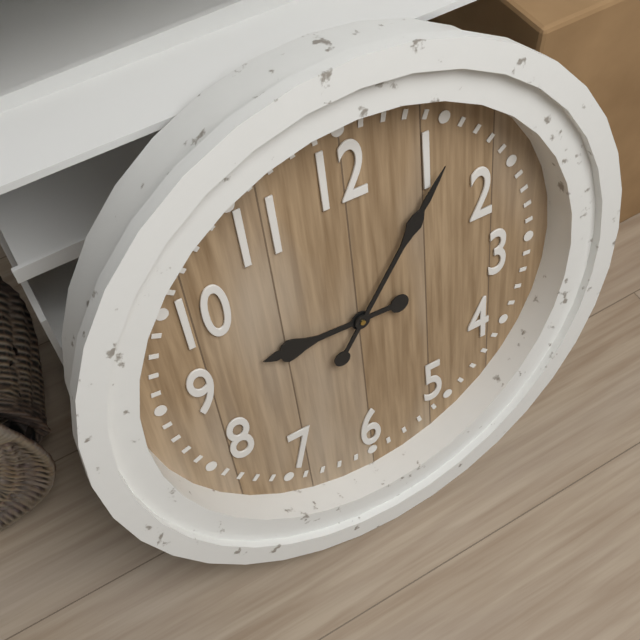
{"hour": 9, "minute": 6}
